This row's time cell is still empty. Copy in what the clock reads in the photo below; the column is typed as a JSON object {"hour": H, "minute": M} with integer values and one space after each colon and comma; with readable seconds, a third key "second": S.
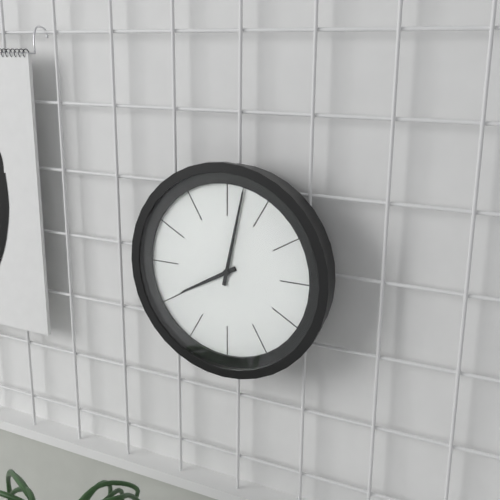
{"hour": 8, "minute": 2}
